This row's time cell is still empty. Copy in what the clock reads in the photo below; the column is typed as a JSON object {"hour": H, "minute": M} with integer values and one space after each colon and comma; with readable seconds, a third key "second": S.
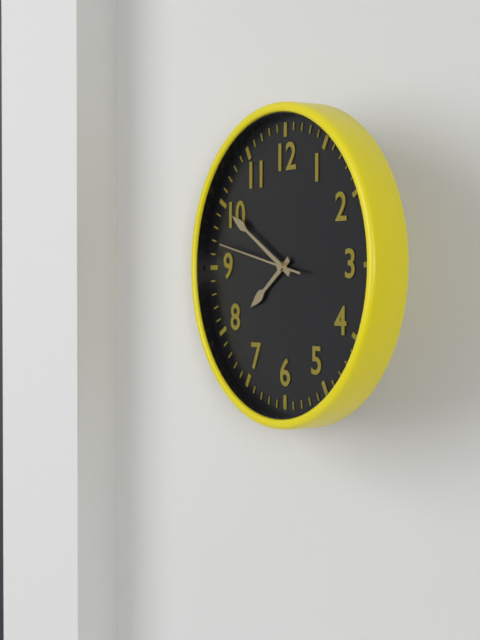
{"hour": 7, "minute": 50, "second": 47}
